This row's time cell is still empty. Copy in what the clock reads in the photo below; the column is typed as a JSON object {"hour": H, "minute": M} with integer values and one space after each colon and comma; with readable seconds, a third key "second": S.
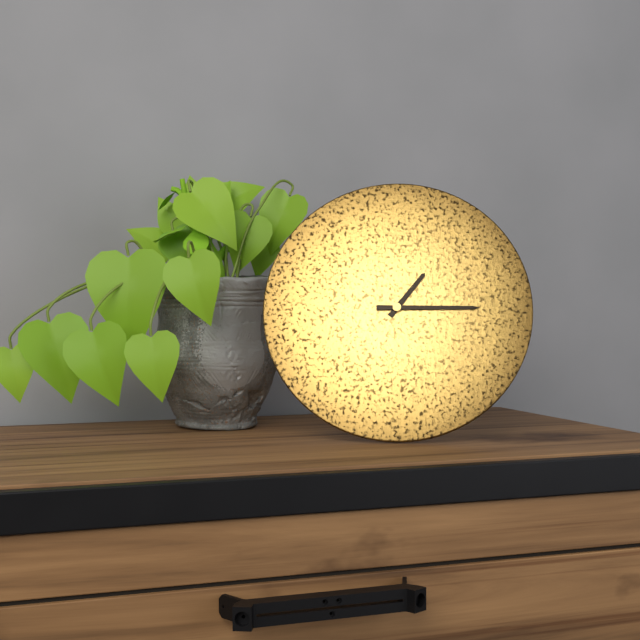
{"hour": 1, "minute": 15}
